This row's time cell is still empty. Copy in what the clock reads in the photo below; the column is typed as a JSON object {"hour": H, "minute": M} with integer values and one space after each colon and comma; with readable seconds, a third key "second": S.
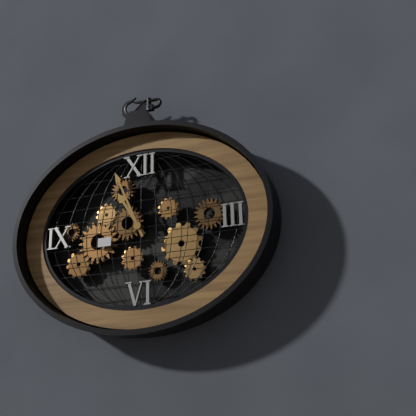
{"hour": 10, "minute": 56}
